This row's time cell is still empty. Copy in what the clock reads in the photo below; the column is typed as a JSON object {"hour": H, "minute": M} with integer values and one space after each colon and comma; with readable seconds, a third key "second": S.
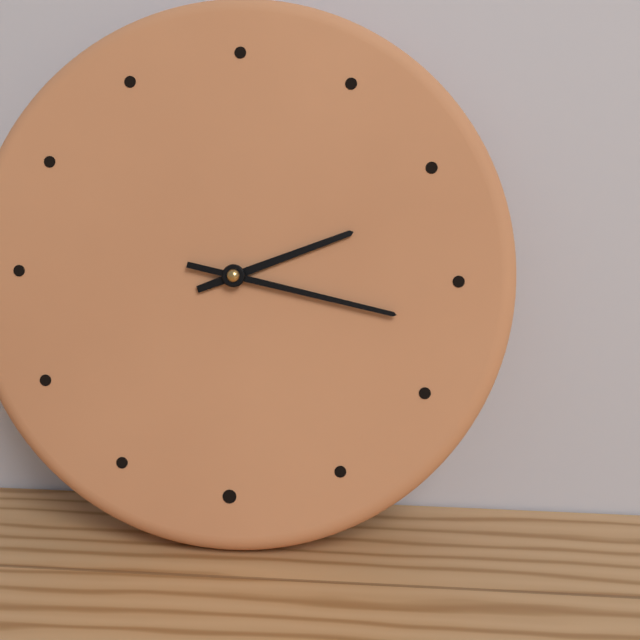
{"hour": 2, "minute": 17}
